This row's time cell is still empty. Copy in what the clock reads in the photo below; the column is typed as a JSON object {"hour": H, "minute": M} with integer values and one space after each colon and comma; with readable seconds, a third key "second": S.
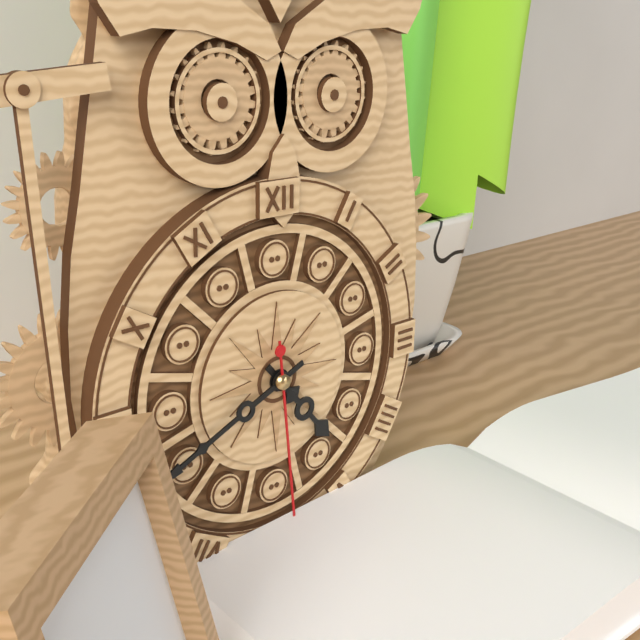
{"hour": 4, "minute": 41, "second": 29}
